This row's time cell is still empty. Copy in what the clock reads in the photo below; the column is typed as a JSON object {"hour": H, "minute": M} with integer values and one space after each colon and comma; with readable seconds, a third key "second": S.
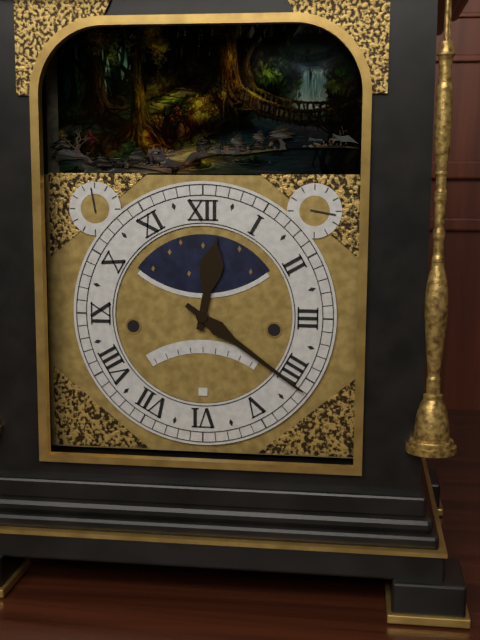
{"hour": 12, "minute": 21}
